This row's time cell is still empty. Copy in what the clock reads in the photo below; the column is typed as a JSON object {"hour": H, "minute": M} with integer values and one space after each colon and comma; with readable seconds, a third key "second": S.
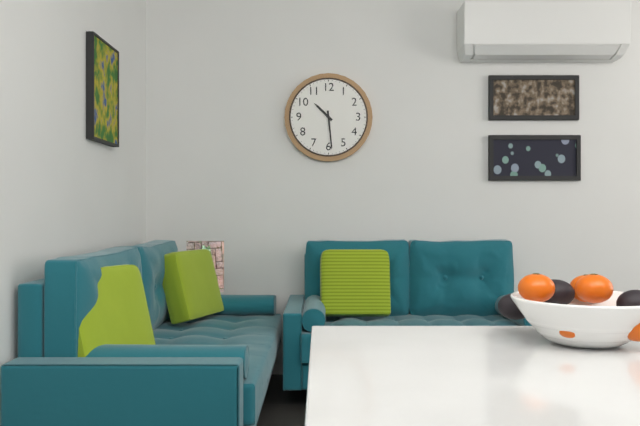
{"hour": 10, "minute": 29}
